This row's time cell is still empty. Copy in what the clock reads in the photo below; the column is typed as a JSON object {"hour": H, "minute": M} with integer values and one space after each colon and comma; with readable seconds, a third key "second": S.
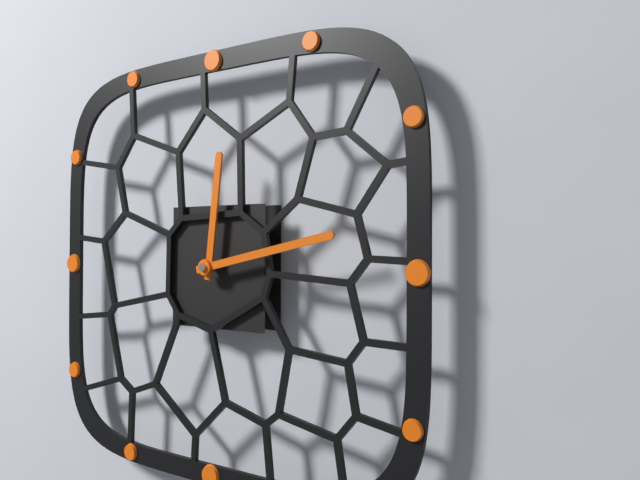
{"hour": 12, "minute": 13}
